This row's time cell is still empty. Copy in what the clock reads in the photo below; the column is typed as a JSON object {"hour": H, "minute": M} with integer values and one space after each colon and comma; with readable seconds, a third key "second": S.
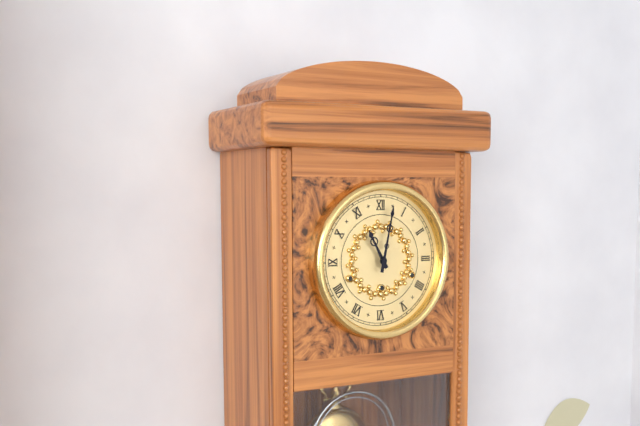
{"hour": 11, "minute": 2}
